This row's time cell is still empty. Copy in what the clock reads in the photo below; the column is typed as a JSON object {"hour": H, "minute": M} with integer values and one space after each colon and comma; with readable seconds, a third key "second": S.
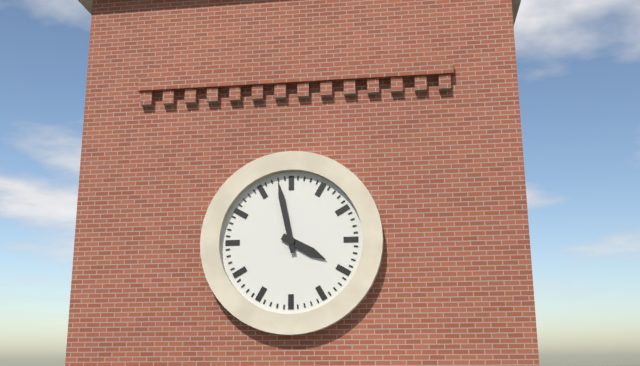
{"hour": 3, "minute": 58}
